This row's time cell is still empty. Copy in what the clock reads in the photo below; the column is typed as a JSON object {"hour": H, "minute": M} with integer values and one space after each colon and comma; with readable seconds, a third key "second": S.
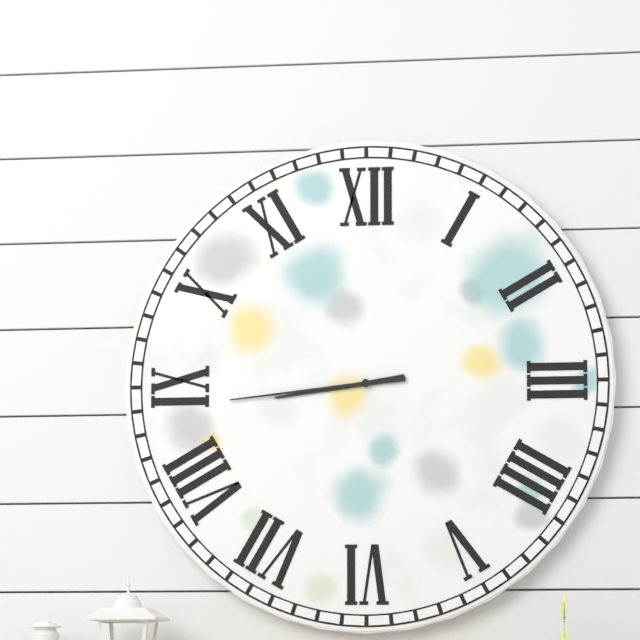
{"hour": 8, "minute": 44}
